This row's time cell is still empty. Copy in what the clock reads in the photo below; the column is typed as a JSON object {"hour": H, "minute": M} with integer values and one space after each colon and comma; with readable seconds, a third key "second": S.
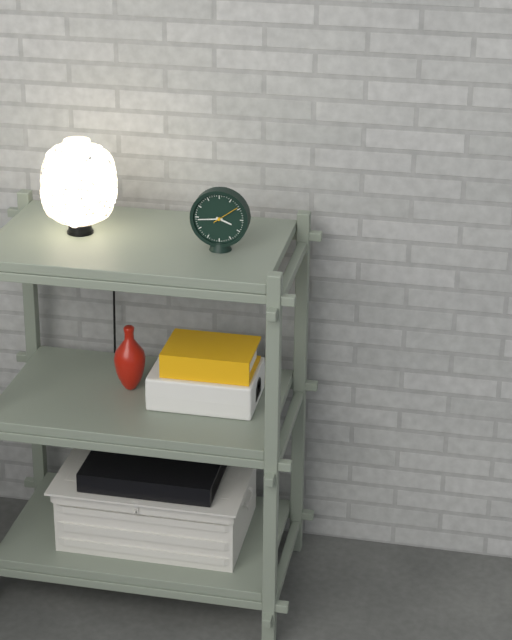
{"hour": 3, "minute": 44}
